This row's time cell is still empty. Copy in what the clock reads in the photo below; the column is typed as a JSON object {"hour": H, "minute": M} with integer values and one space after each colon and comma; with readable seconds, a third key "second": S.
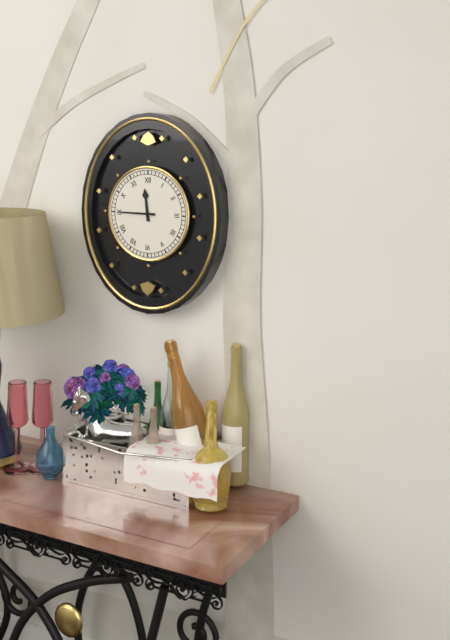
{"hour": 11, "minute": 45}
